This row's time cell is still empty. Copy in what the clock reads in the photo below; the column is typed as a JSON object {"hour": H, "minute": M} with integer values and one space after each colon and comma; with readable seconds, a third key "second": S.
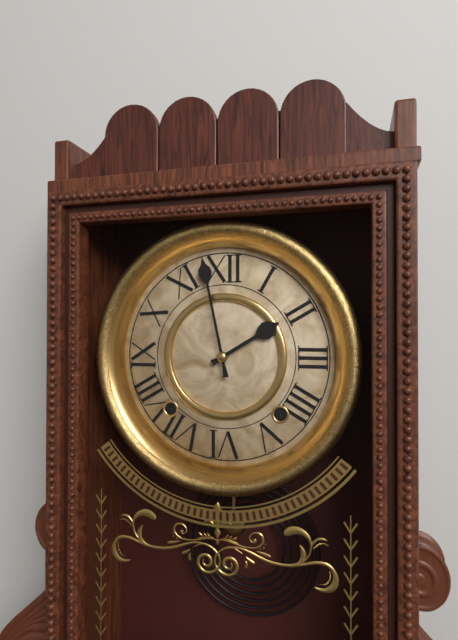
{"hour": 1, "minute": 58}
